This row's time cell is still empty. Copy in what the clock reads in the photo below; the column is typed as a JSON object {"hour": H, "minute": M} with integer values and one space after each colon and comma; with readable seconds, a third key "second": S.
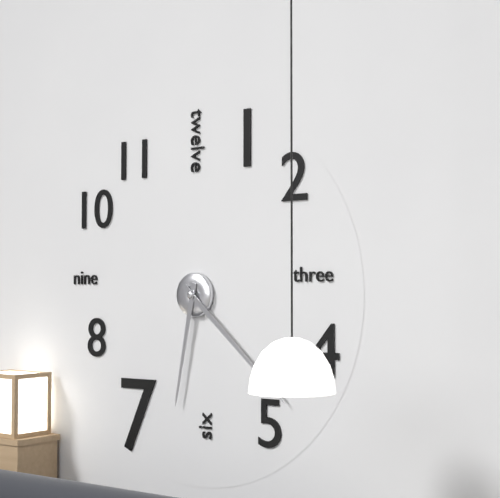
{"hour": 6, "minute": 22}
